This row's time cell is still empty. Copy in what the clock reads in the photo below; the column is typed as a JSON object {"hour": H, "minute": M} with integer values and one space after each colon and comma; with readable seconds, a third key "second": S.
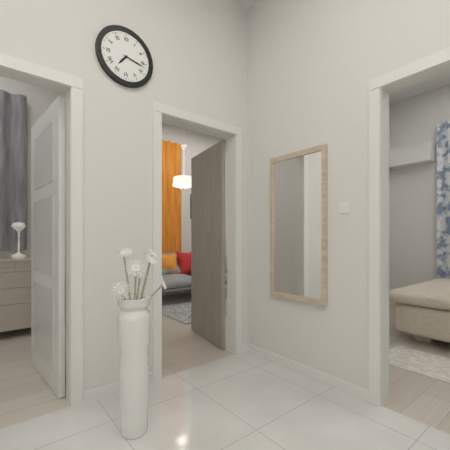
{"hour": 7, "minute": 17}
